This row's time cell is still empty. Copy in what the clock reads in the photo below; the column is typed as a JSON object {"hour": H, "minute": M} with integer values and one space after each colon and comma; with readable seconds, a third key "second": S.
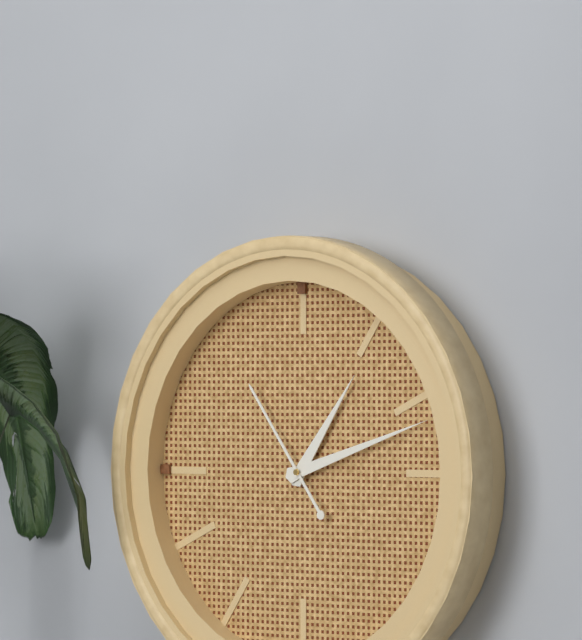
{"hour": 1, "minute": 12, "second": 54}
